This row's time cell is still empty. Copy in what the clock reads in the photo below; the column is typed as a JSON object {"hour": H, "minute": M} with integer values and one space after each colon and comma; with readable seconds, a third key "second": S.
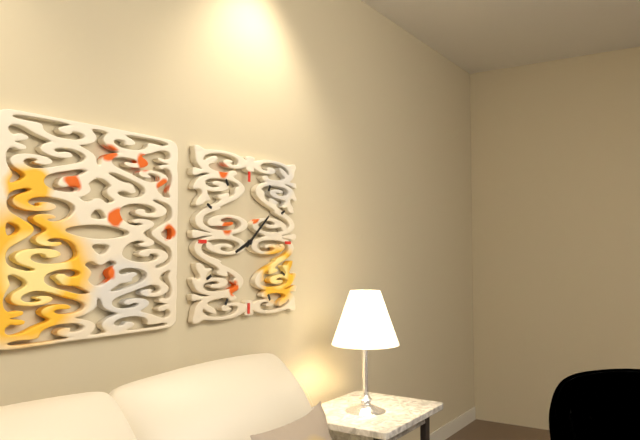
{"hour": 8, "minute": 8}
